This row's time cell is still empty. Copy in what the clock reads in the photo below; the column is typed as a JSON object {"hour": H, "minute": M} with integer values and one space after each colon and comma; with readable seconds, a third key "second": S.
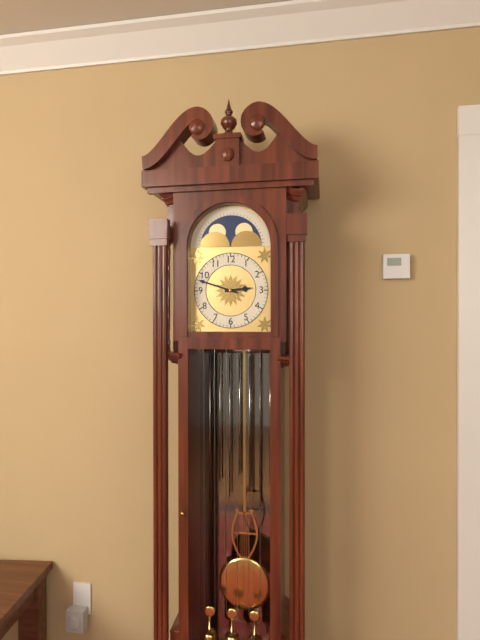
{"hour": 2, "minute": 48}
